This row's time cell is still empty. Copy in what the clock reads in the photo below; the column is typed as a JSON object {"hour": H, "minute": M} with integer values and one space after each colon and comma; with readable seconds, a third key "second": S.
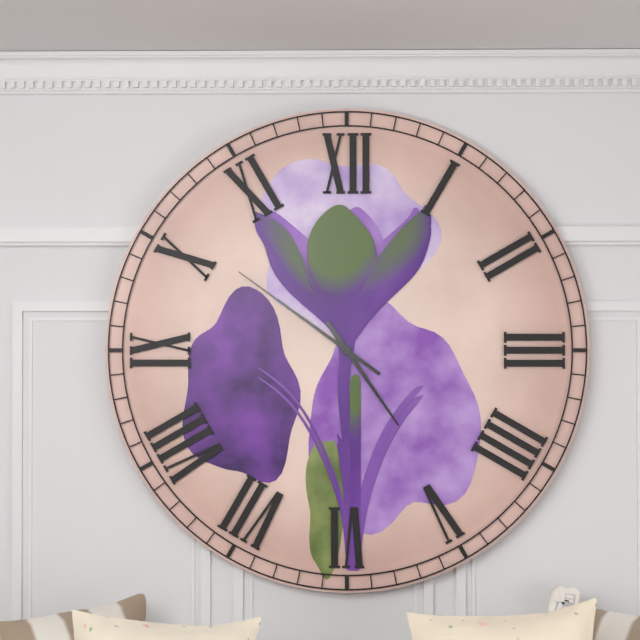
{"hour": 4, "minute": 51}
